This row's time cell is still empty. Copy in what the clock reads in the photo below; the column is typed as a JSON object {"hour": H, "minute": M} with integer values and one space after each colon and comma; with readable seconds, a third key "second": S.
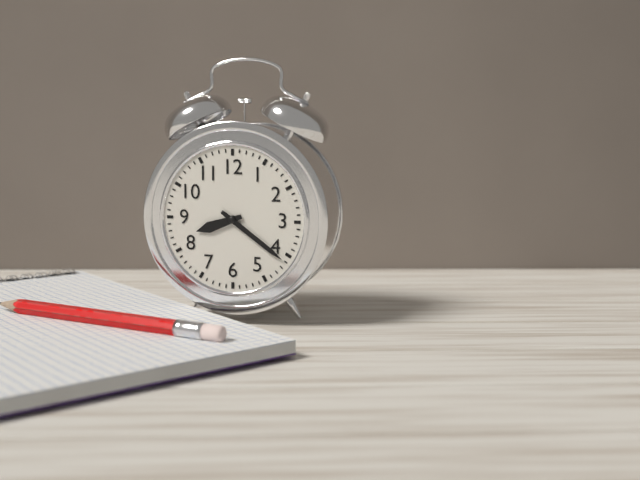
{"hour": 8, "minute": 21}
